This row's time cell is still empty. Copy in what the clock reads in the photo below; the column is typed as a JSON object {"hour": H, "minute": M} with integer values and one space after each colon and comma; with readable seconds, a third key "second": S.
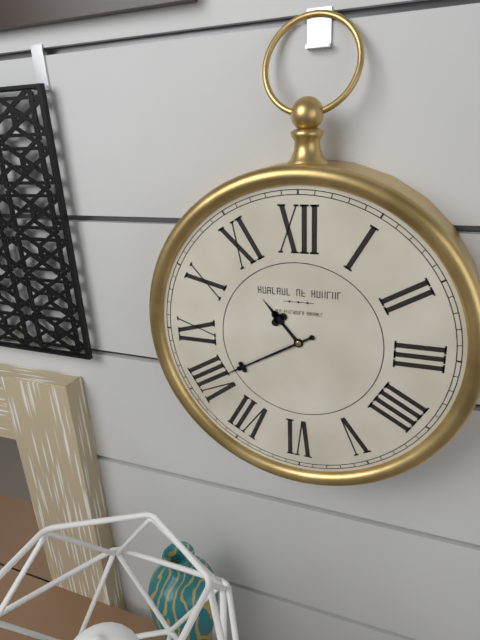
{"hour": 10, "minute": 40}
